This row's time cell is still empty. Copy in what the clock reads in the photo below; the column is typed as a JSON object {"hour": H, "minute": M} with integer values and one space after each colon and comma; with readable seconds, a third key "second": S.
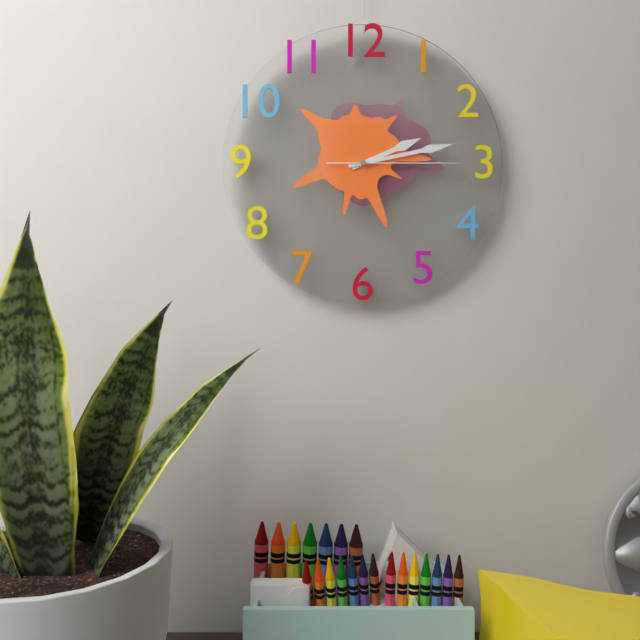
{"hour": 2, "minute": 13, "second": 15}
